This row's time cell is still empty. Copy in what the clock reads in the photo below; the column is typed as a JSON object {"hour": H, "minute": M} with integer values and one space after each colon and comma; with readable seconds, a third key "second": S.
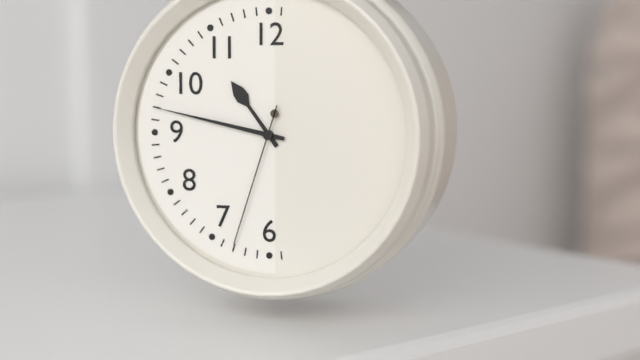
{"hour": 10, "minute": 47, "second": 33}
